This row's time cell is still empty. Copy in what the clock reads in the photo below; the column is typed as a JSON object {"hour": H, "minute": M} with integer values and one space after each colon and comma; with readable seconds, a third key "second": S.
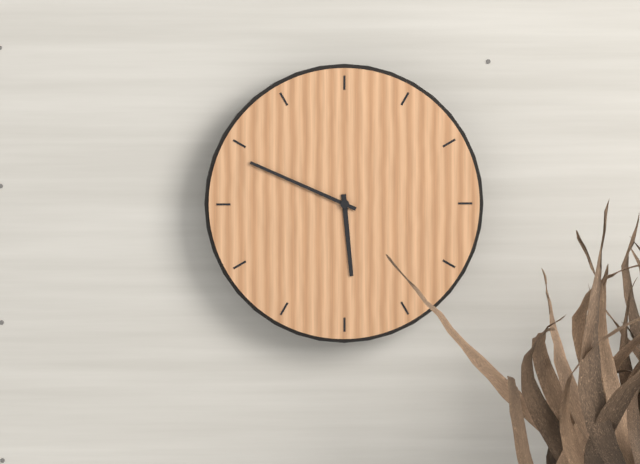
{"hour": 5, "minute": 49}
